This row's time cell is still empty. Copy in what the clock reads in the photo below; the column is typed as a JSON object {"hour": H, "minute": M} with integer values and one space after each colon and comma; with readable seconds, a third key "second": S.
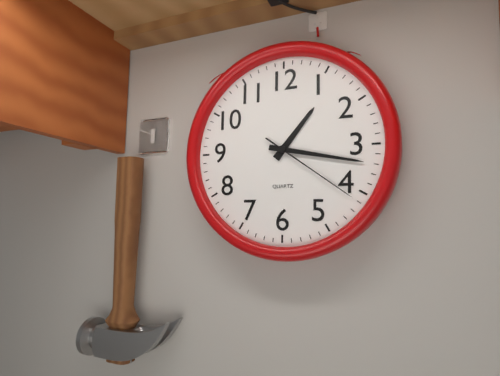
{"hour": 1, "minute": 17, "second": 21}
